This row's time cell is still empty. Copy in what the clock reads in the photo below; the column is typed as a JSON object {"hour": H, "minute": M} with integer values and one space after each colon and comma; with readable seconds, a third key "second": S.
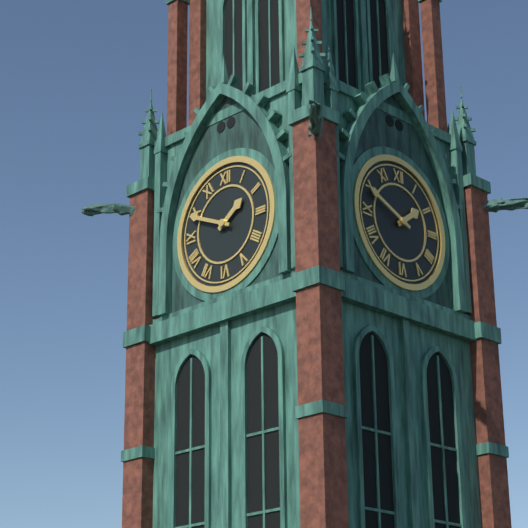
{"hour": 1, "minute": 49}
